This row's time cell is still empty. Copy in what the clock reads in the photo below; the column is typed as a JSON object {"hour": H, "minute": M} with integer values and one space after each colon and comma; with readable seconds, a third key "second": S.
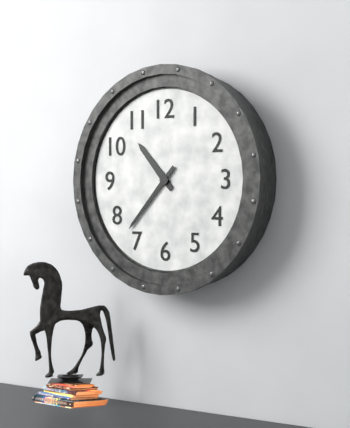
{"hour": 10, "minute": 37}
